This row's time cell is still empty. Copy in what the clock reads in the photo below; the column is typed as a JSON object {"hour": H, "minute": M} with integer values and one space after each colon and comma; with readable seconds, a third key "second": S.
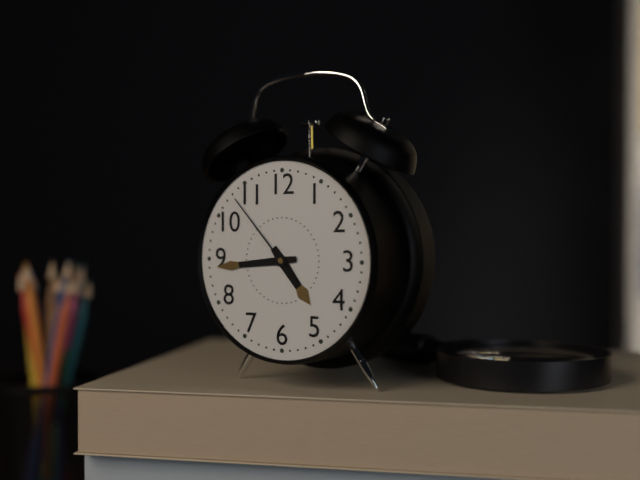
{"hour": 4, "minute": 44, "second": 53}
